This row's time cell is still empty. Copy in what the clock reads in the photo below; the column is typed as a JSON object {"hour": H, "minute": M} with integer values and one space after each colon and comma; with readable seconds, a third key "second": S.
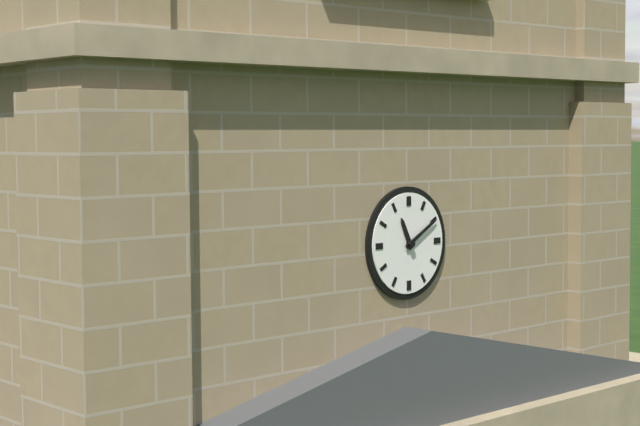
{"hour": 11, "minute": 10}
